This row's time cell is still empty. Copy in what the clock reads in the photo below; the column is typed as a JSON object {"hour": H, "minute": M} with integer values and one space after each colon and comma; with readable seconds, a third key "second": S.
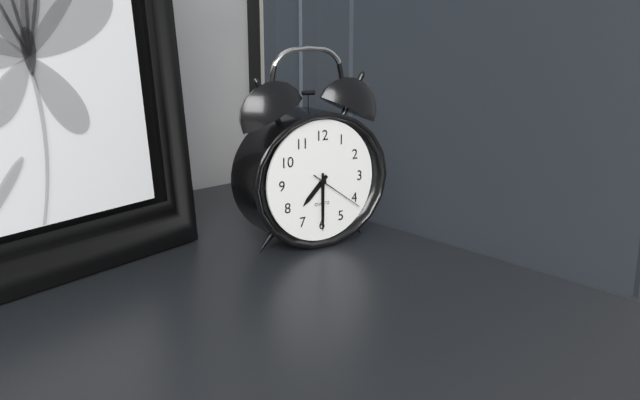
{"hour": 7, "minute": 30, "second": 21}
